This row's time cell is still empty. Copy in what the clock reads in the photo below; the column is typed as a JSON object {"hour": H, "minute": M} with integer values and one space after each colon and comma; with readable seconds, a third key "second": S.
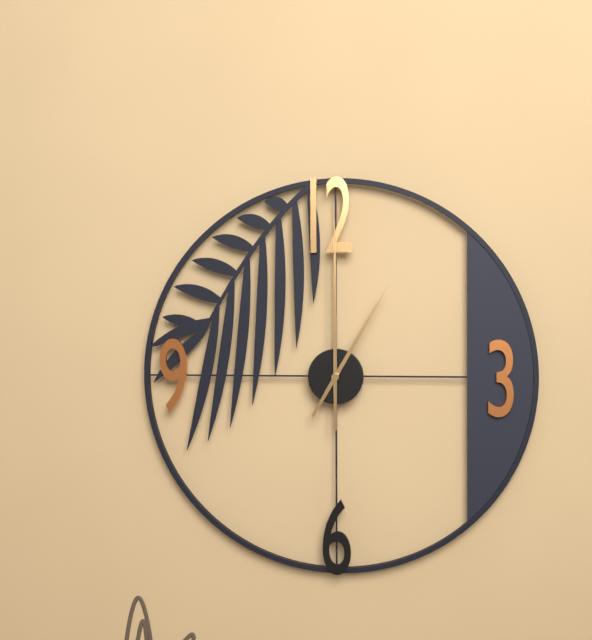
{"hour": 1, "minute": 0}
